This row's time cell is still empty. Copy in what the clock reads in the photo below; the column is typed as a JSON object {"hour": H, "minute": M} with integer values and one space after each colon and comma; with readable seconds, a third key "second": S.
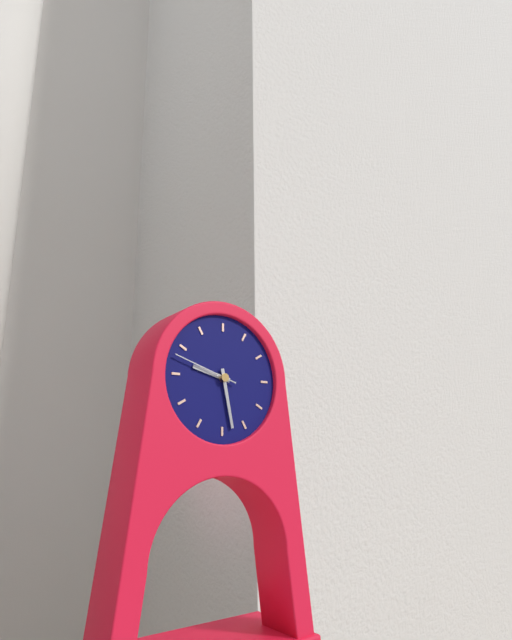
{"hour": 9, "minute": 28, "second": 48}
